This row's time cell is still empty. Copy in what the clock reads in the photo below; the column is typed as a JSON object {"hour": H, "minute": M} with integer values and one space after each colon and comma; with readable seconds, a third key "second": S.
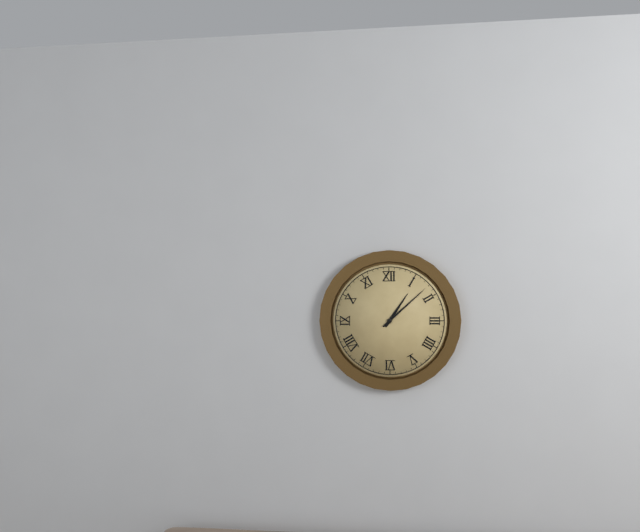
{"hour": 1, "minute": 8}
